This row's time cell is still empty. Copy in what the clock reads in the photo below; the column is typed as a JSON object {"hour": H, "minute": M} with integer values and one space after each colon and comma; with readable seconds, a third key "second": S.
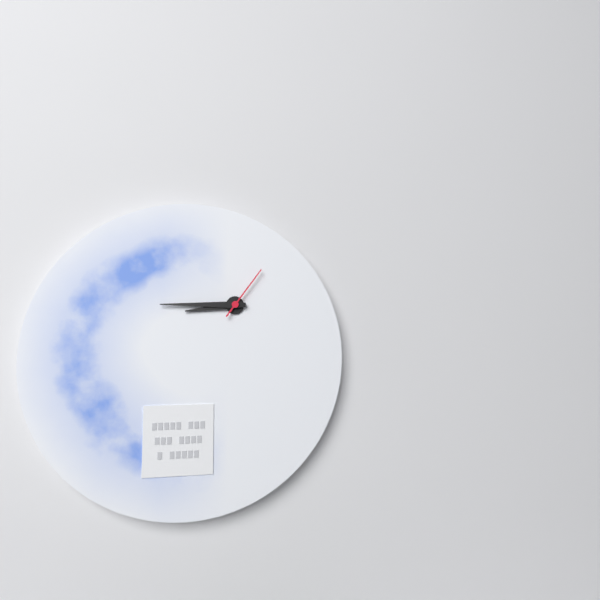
{"hour": 8, "minute": 45, "second": 6}
